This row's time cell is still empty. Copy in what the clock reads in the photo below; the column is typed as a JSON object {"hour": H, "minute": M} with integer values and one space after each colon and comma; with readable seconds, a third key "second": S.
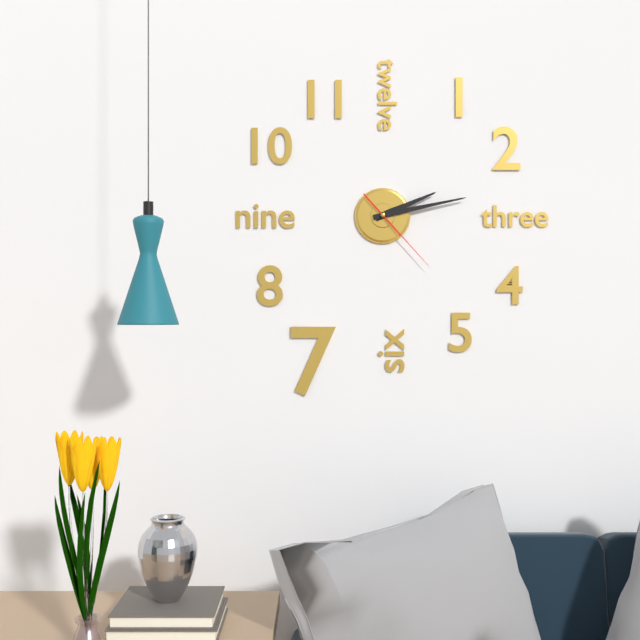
{"hour": 2, "minute": 13, "second": 23}
